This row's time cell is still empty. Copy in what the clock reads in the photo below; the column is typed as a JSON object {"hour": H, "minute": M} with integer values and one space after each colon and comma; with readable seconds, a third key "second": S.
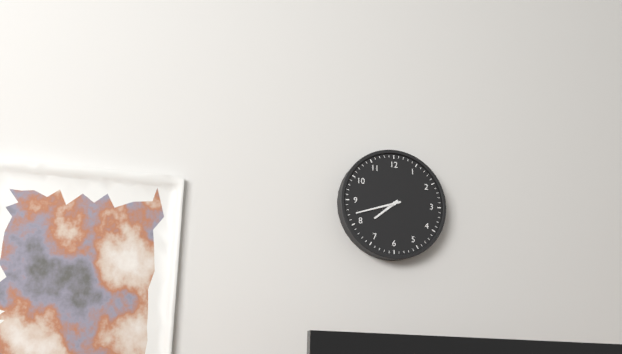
{"hour": 7, "minute": 42}
